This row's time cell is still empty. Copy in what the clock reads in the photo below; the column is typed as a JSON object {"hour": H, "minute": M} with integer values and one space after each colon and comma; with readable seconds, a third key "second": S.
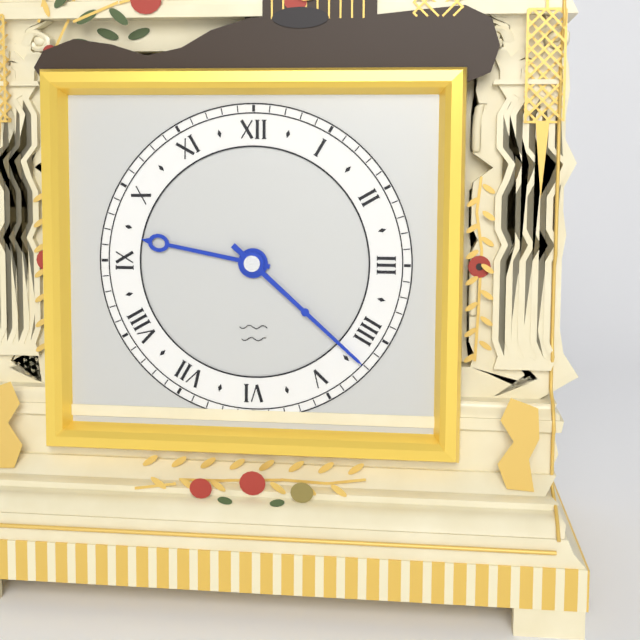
{"hour": 9, "minute": 22}
